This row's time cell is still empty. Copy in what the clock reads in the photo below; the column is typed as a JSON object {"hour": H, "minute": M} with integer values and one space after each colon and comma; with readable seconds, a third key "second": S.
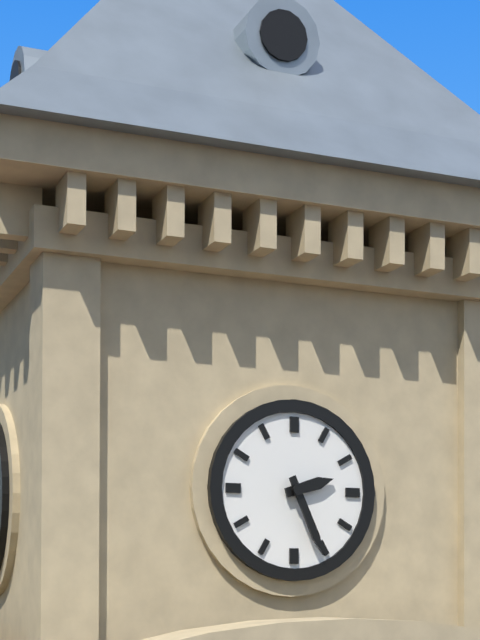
{"hour": 2, "minute": 26}
